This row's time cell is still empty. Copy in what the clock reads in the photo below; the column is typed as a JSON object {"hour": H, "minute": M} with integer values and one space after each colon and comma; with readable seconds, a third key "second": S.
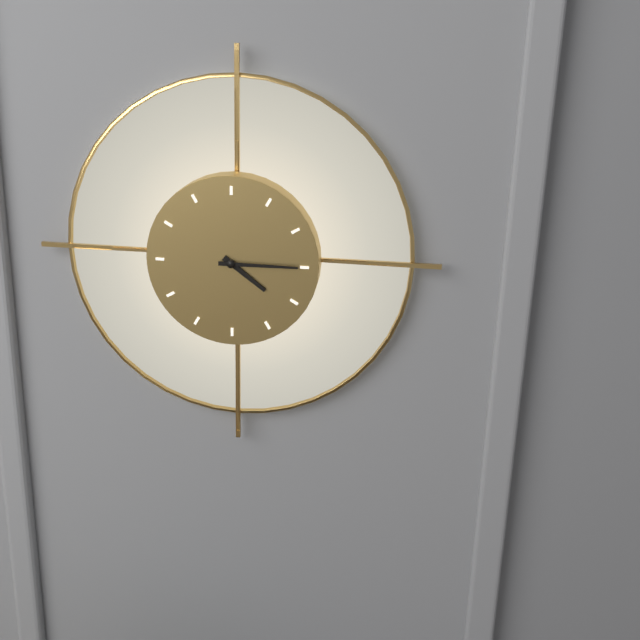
{"hour": 4, "minute": 15}
